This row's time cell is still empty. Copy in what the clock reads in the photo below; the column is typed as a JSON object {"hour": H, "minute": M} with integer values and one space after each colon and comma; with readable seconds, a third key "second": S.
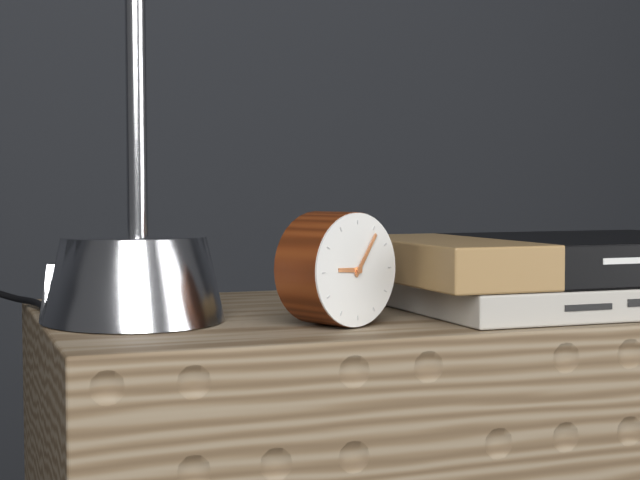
{"hour": 9, "minute": 6}
